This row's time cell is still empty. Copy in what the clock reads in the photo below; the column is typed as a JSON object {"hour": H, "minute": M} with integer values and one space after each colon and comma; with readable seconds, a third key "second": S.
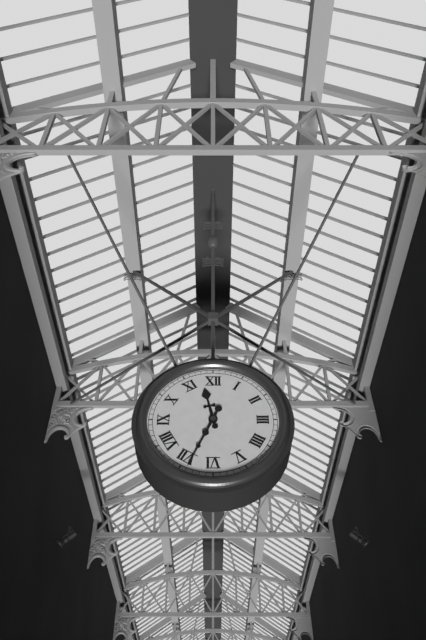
{"hour": 11, "minute": 34}
